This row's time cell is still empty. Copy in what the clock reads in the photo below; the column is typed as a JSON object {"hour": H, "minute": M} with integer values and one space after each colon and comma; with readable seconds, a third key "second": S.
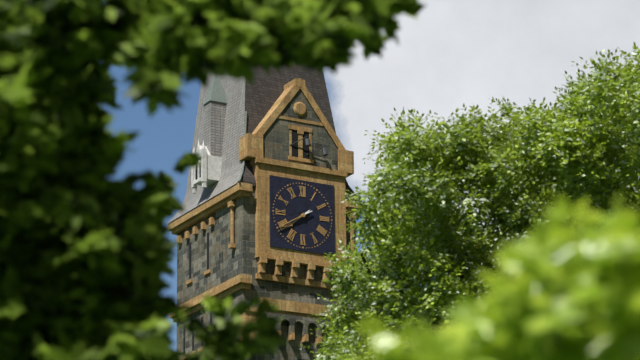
{"hour": 7, "minute": 40}
